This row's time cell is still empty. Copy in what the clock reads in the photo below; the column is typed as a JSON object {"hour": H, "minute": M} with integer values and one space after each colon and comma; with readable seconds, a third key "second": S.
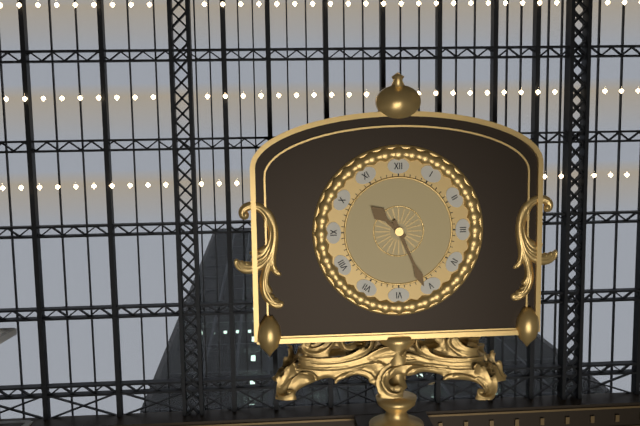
{"hour": 10, "minute": 26}
